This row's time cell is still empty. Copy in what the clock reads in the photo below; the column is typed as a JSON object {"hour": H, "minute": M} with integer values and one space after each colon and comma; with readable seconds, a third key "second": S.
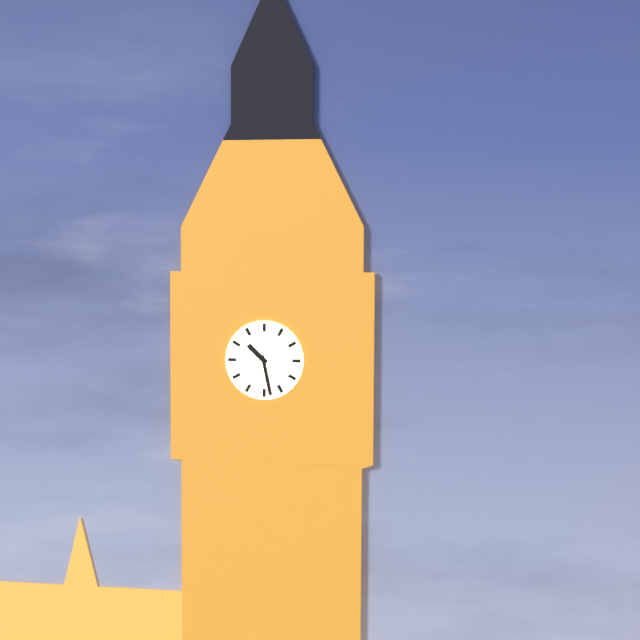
{"hour": 10, "minute": 28}
